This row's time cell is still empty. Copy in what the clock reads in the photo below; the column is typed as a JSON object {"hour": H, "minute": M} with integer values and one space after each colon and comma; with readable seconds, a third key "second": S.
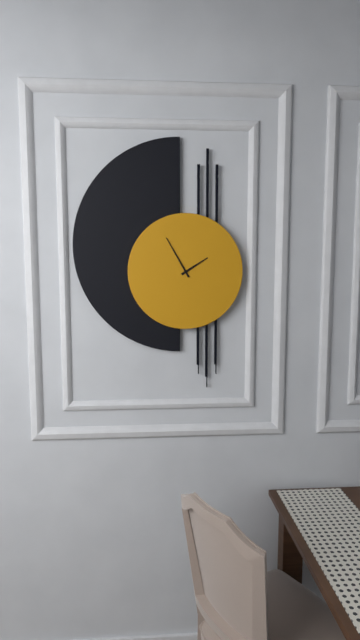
{"hour": 1, "minute": 55}
